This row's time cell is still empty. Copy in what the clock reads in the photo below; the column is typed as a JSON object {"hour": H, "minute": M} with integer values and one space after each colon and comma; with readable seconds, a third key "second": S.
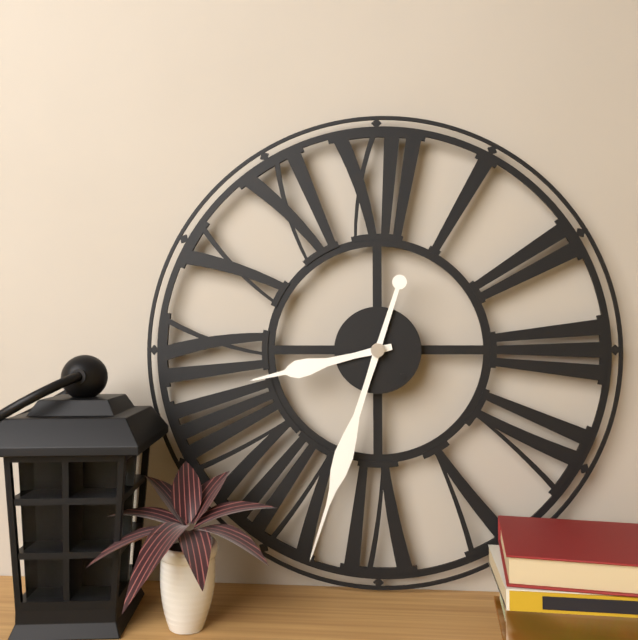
{"hour": 8, "minute": 33}
